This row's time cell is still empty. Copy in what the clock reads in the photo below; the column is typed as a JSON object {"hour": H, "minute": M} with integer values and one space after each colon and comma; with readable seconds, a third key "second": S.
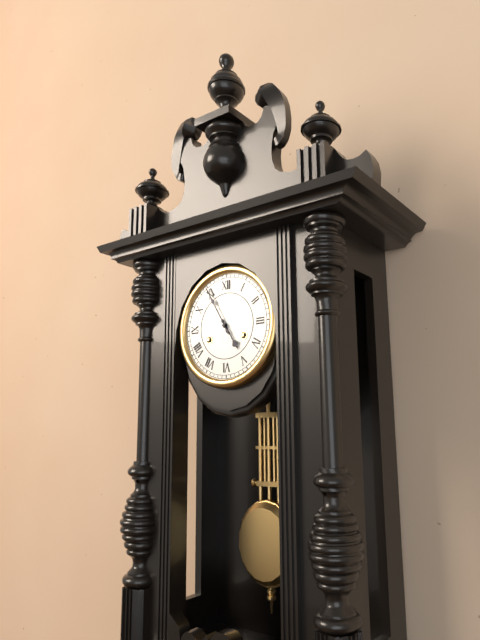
{"hour": 4, "minute": 55}
